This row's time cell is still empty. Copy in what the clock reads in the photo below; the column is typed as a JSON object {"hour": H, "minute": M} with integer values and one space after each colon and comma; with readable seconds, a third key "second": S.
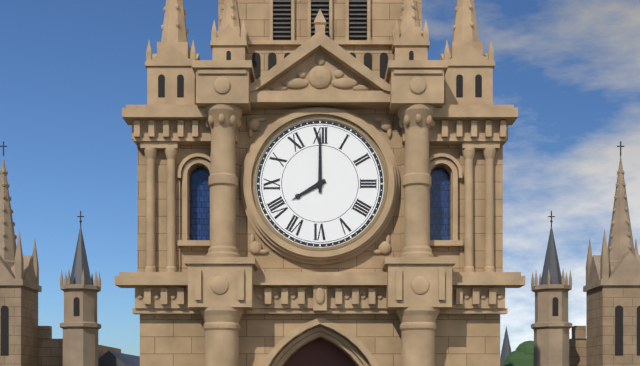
{"hour": 8, "minute": 0}
